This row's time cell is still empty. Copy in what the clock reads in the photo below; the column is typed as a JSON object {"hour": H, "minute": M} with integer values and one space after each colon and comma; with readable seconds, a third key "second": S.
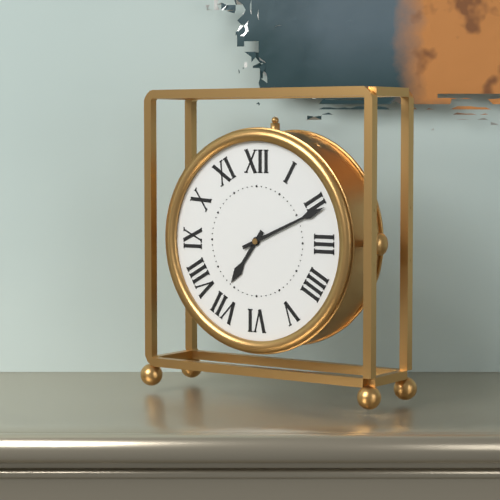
{"hour": 7, "minute": 11}
